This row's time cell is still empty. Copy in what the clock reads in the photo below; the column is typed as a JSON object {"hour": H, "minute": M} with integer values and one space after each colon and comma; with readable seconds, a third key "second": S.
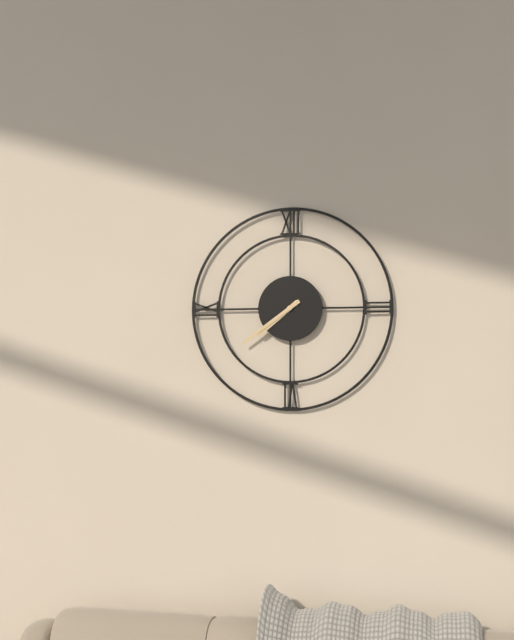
{"hour": 7, "minute": 39}
